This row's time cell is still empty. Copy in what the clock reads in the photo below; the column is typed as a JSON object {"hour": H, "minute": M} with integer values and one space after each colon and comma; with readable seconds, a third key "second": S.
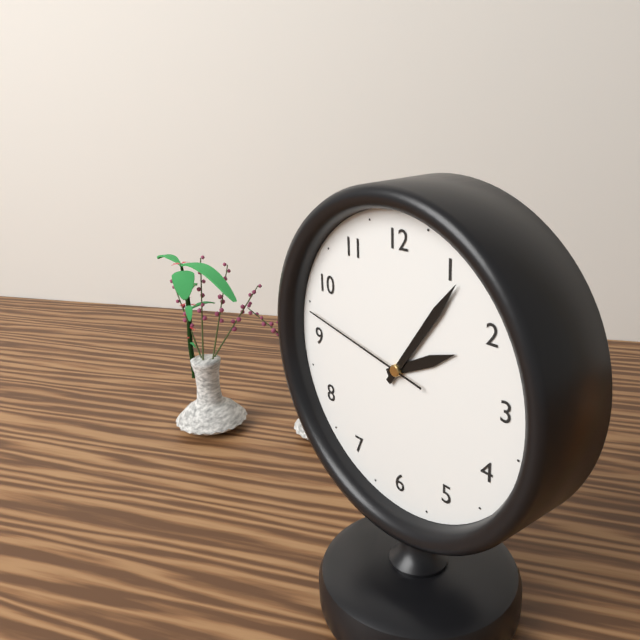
{"hour": 2, "minute": 6, "second": 47}
